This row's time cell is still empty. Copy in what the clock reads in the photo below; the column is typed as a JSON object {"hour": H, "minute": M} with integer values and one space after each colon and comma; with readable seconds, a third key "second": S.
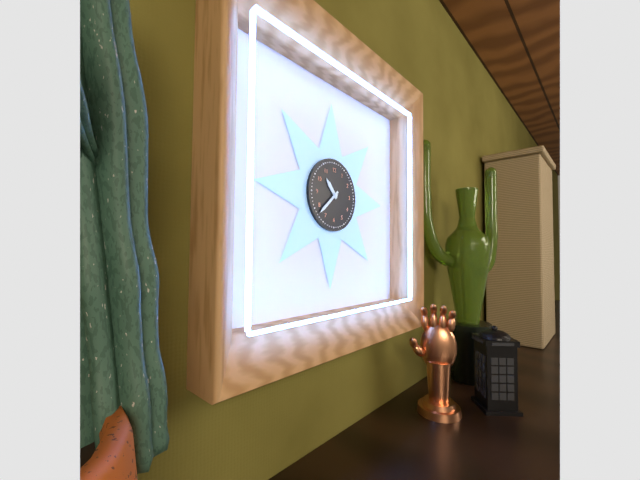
{"hour": 10, "minute": 38}
